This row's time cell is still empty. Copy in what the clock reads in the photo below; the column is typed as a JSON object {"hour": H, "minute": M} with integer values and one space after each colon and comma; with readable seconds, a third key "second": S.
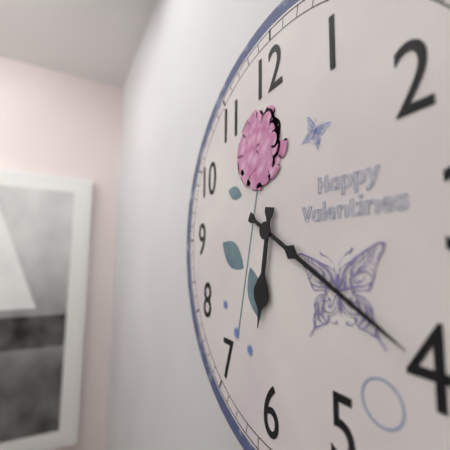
{"hour": 6, "minute": 20}
